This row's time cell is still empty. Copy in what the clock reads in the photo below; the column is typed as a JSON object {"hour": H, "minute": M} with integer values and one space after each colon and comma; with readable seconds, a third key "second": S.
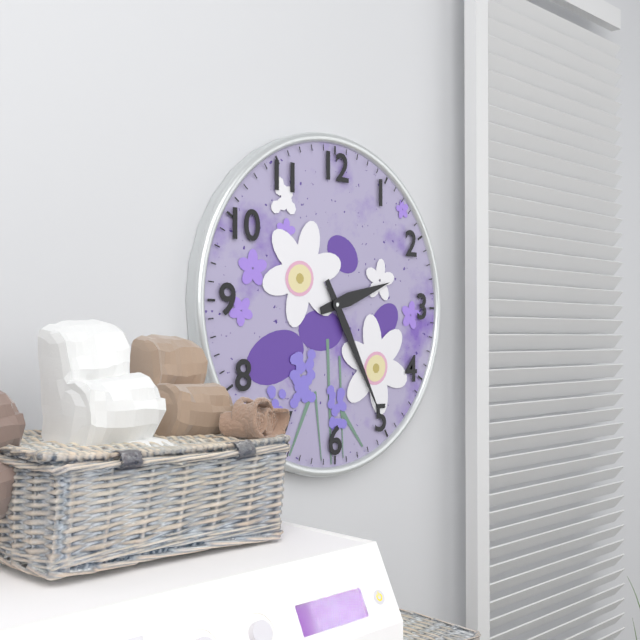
{"hour": 2, "minute": 25}
